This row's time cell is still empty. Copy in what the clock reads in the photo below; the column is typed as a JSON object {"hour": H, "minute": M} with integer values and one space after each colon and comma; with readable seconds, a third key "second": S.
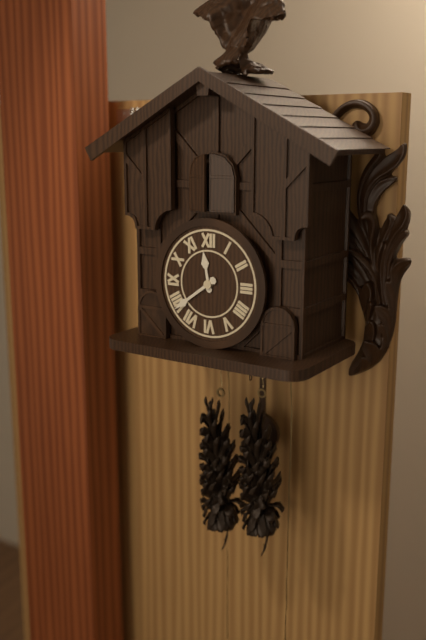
{"hour": 11, "minute": 39}
